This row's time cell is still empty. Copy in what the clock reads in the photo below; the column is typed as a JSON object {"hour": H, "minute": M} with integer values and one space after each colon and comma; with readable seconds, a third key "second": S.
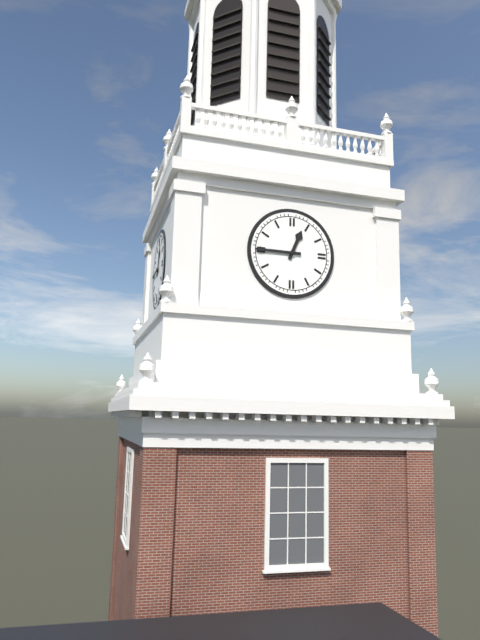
{"hour": 12, "minute": 45}
